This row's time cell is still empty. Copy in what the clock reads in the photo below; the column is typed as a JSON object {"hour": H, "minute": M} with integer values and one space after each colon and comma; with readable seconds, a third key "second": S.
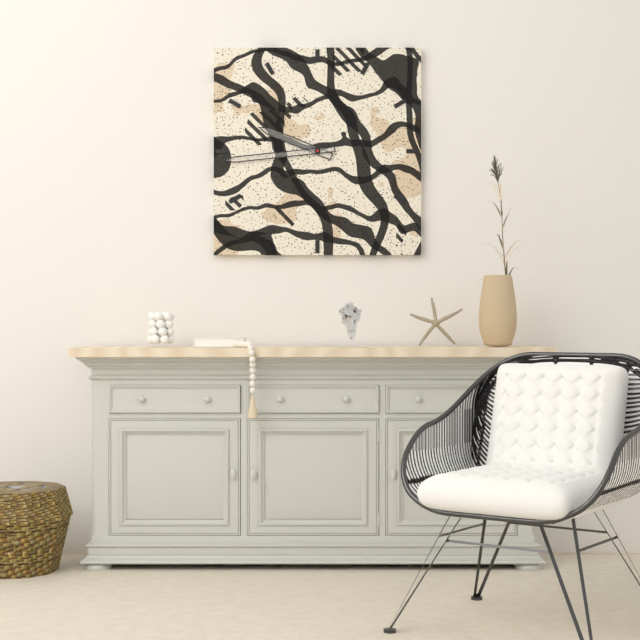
{"hour": 9, "minute": 44}
